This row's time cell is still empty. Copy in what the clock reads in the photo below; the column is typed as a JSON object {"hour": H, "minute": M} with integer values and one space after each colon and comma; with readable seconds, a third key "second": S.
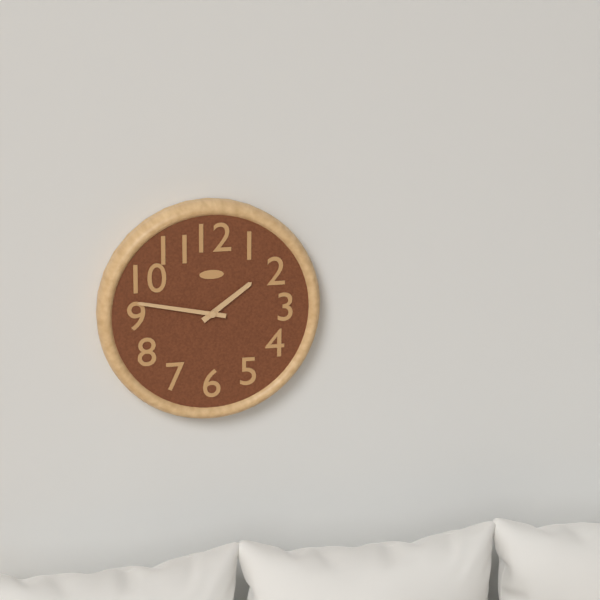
{"hour": 1, "minute": 47}
